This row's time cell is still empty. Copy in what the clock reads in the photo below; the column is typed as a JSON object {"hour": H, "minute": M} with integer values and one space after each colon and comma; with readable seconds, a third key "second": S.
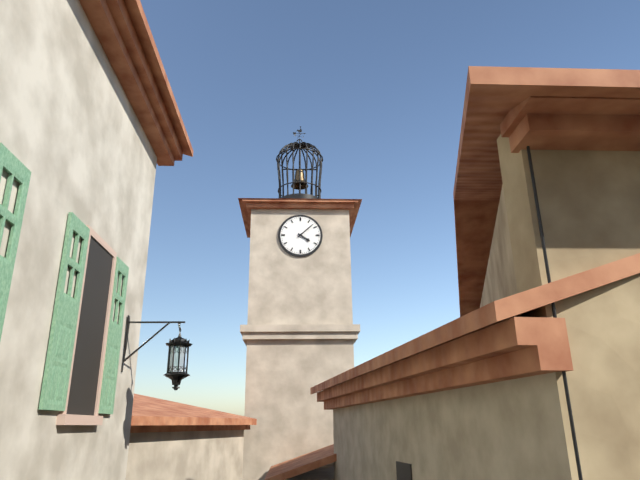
{"hour": 4, "minute": 8}
